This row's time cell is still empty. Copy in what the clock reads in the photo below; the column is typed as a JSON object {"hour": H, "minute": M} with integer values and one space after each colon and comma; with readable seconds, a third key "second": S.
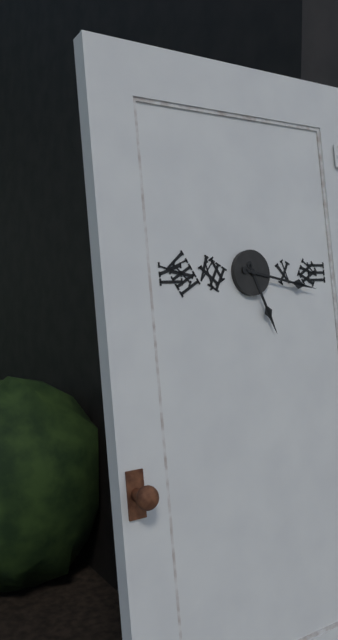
{"hour": 5, "minute": 17}
